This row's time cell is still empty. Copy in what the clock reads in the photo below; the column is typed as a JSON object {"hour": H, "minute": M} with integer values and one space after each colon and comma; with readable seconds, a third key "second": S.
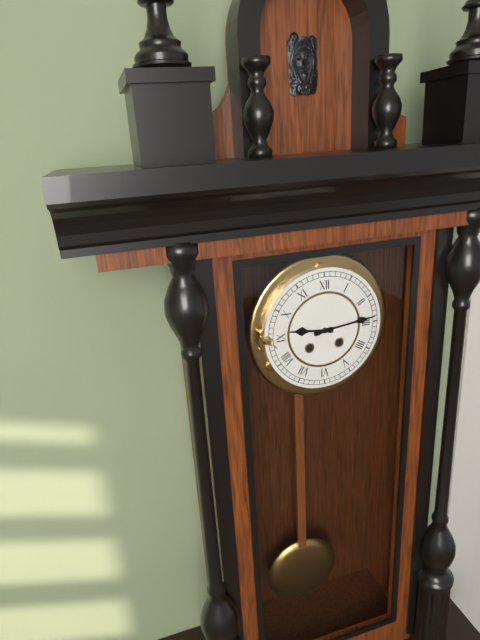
{"hour": 9, "minute": 14}
